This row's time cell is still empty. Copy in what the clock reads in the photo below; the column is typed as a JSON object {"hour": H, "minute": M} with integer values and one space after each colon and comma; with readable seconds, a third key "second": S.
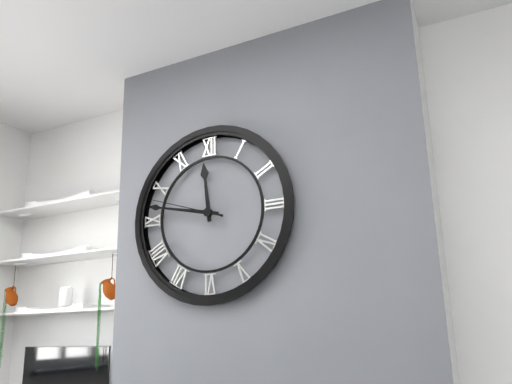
{"hour": 11, "minute": 47, "second": 48}
